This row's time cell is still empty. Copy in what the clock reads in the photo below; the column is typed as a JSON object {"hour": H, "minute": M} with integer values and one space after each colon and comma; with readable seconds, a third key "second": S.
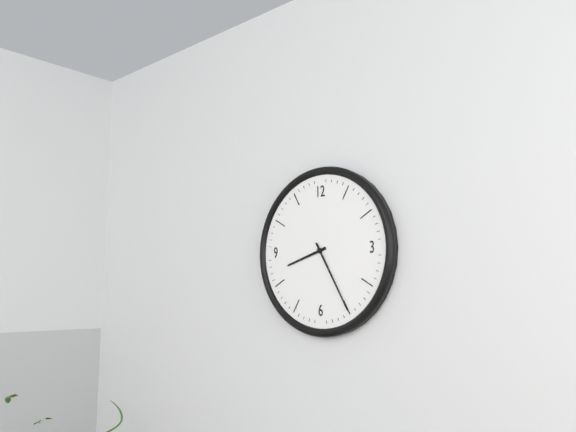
{"hour": 8, "minute": 25}
